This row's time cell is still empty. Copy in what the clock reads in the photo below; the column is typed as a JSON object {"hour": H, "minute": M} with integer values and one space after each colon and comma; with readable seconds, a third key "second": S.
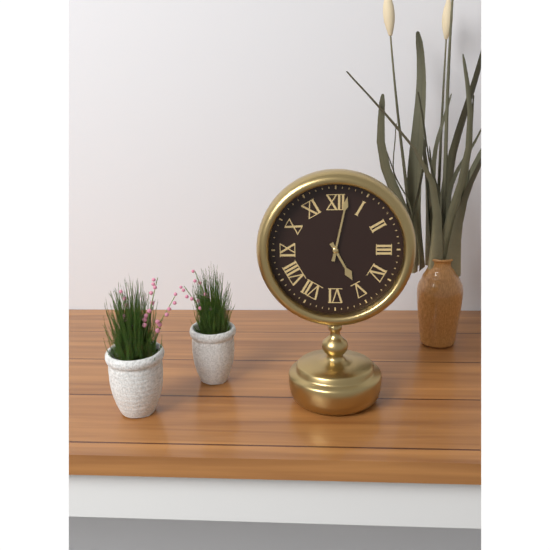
{"hour": 5, "minute": 2}
